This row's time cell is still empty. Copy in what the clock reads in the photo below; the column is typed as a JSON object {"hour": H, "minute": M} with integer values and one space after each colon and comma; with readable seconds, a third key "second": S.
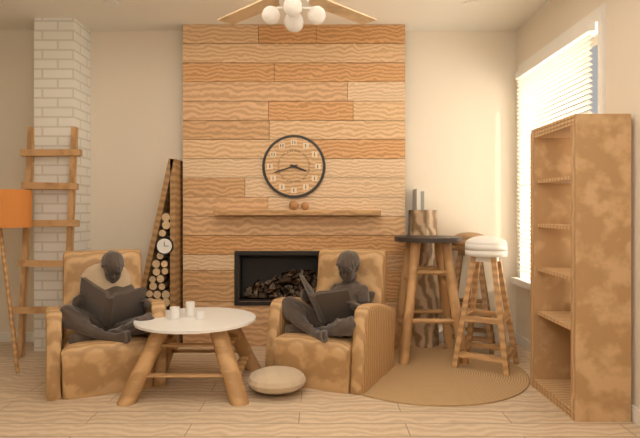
{"hour": 3, "minute": 42}
